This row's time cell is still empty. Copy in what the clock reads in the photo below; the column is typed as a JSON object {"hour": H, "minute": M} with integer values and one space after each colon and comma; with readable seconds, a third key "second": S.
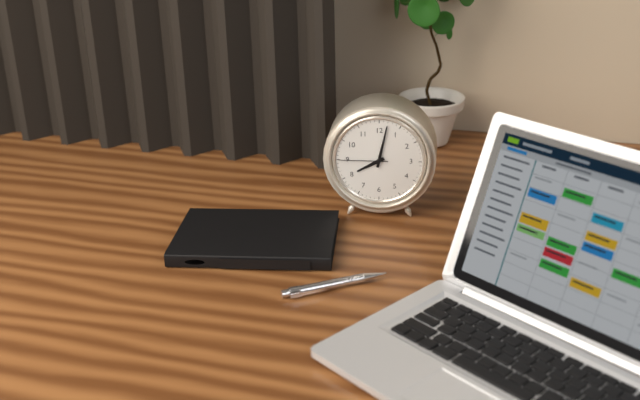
{"hour": 8, "minute": 2, "second": 45}
